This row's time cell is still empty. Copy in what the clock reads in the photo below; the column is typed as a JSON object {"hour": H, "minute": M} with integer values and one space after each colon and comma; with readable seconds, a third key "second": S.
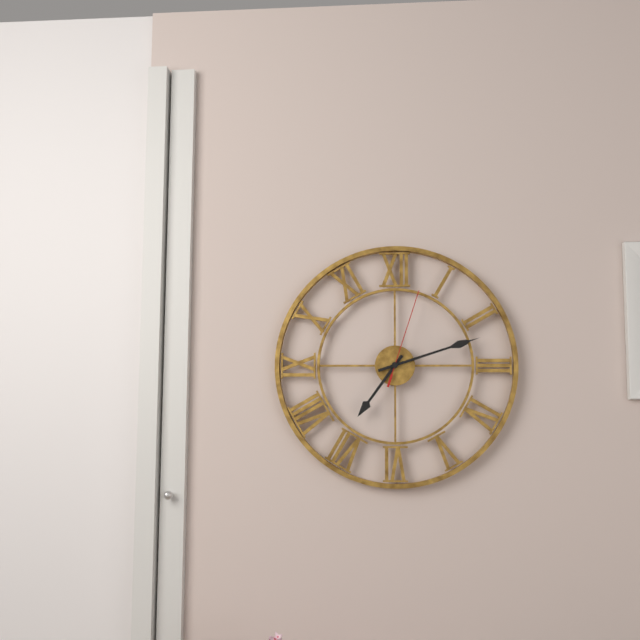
{"hour": 7, "minute": 12, "second": 3}
